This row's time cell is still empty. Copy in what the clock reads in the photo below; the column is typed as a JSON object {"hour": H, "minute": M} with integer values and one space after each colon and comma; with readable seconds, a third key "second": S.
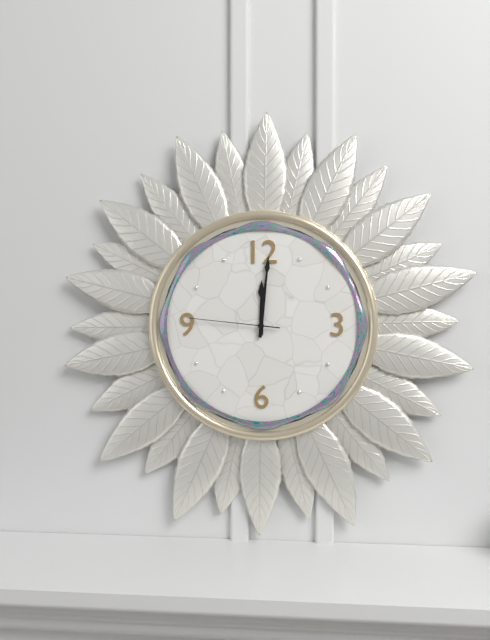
{"hour": 12, "minute": 1, "second": 46}
